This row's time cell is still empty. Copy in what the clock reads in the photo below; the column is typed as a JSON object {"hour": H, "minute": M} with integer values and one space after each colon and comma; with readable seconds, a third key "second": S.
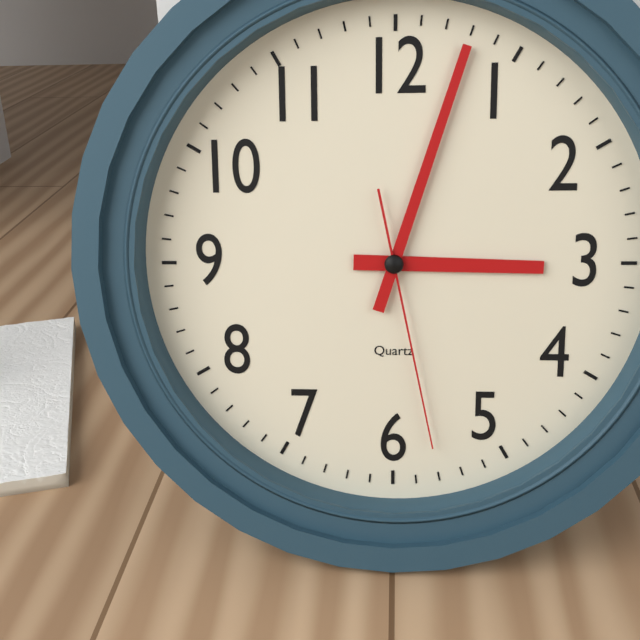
{"hour": 3, "minute": 3, "second": 28}
